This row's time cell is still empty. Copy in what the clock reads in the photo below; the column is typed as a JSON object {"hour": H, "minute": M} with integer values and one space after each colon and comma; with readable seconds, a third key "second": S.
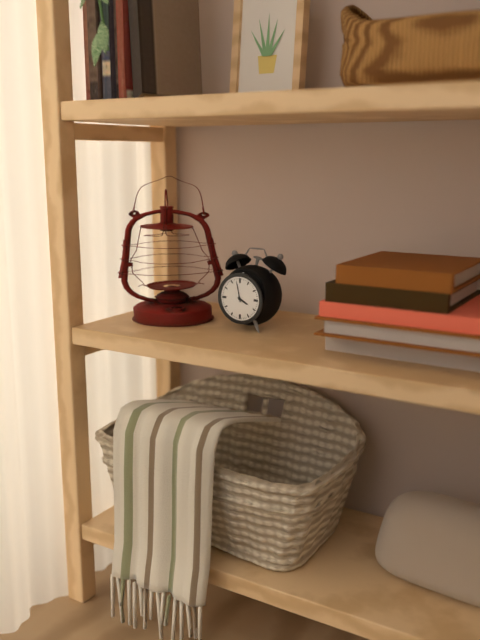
{"hour": 3, "minute": 58}
